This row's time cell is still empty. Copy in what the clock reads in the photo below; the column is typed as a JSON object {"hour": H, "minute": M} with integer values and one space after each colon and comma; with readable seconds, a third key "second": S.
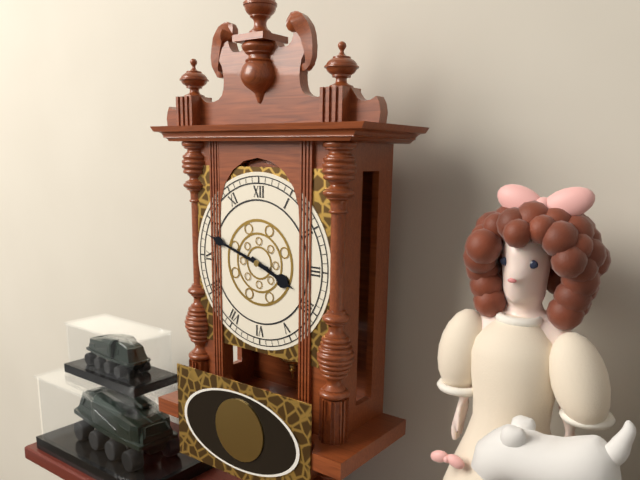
{"hour": 3, "minute": 48}
